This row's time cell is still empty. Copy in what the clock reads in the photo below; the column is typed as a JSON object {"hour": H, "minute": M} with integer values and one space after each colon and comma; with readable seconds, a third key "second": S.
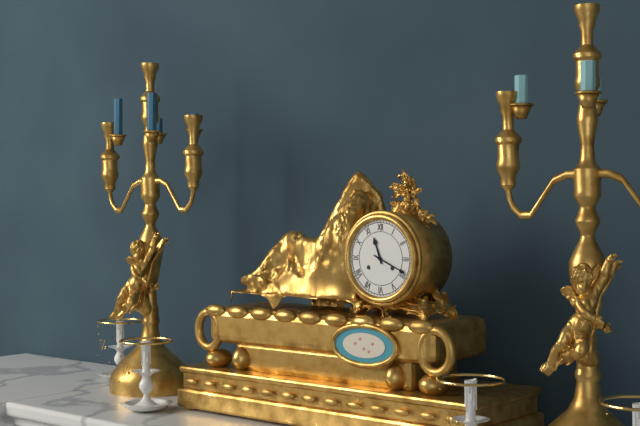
{"hour": 11, "minute": 19}
